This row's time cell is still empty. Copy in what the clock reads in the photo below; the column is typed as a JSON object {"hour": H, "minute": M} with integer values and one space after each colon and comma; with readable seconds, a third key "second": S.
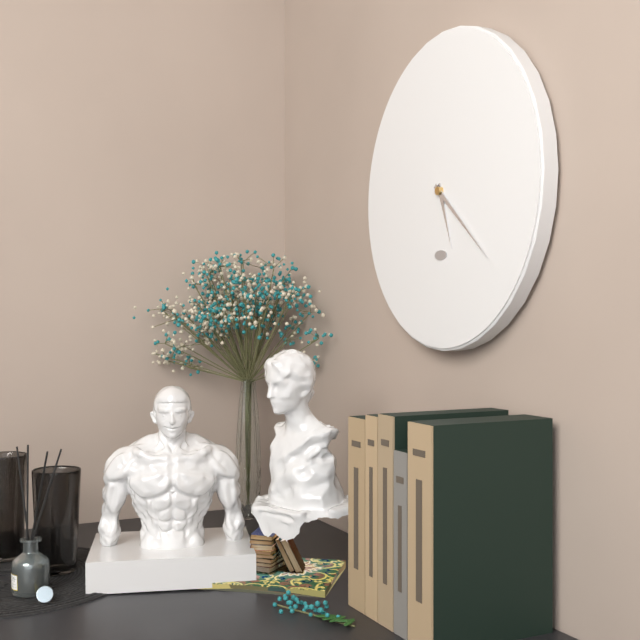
{"hour": 5, "minute": 22}
